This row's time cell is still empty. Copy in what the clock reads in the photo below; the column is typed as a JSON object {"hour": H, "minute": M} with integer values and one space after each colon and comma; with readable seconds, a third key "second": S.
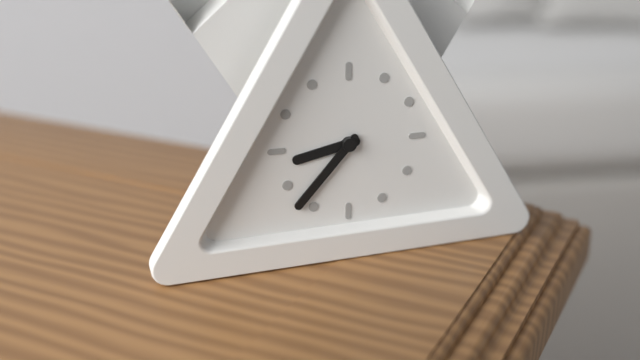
{"hour": 8, "minute": 37}
